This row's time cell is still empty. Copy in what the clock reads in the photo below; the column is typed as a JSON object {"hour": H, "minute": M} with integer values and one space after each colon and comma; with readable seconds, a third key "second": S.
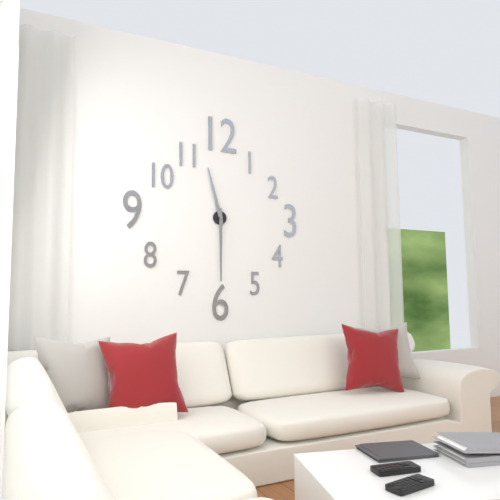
{"hour": 11, "minute": 30}
